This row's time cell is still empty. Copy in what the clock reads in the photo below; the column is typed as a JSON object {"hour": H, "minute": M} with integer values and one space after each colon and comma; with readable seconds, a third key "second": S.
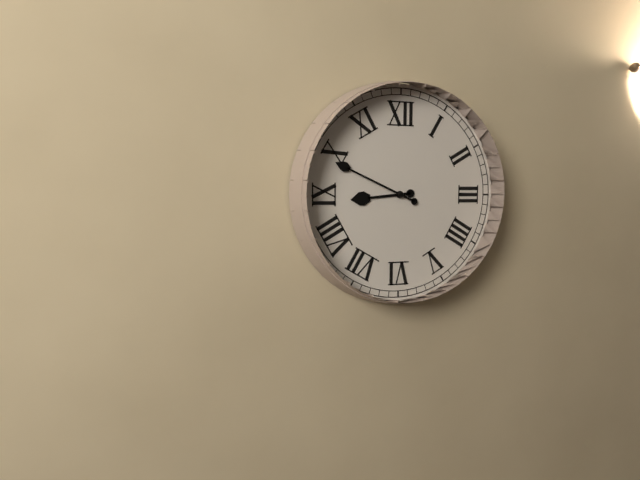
{"hour": 8, "minute": 49}
